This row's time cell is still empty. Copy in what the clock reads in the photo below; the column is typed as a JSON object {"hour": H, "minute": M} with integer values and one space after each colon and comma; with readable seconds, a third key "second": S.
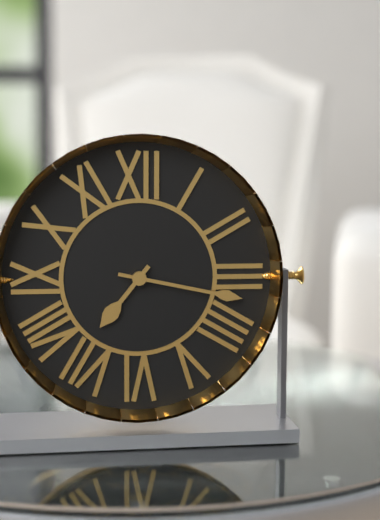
{"hour": 7, "minute": 17}
